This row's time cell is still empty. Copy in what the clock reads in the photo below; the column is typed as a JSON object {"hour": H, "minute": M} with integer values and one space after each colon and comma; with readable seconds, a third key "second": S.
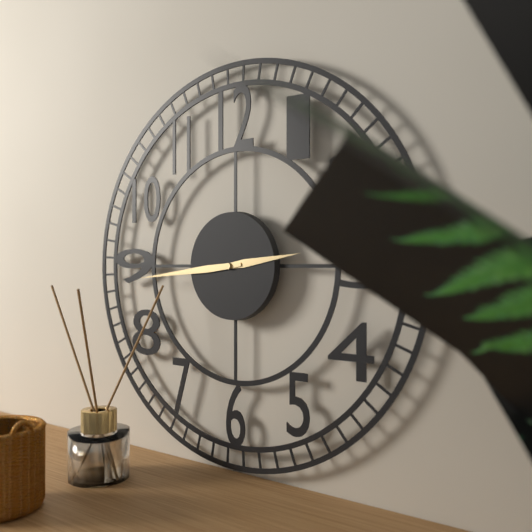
{"hour": 2, "minute": 44}
